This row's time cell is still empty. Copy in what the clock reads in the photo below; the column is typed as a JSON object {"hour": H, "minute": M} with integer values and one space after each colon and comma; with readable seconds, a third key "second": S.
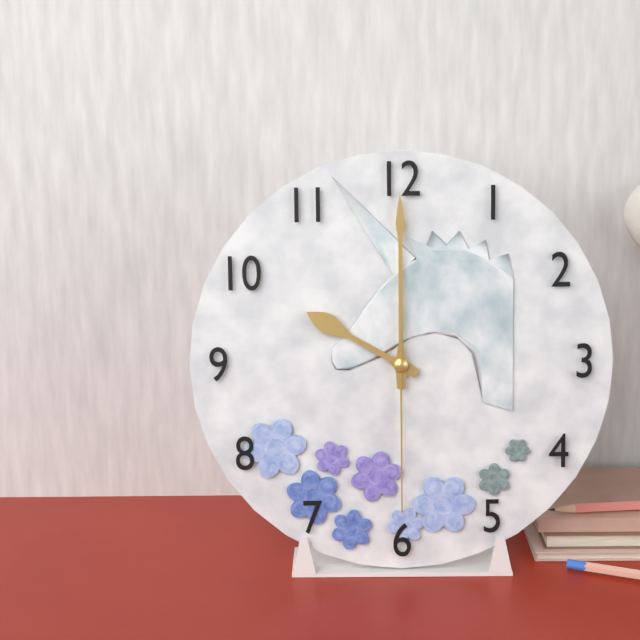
{"hour": 10, "minute": 0, "second": 30}
